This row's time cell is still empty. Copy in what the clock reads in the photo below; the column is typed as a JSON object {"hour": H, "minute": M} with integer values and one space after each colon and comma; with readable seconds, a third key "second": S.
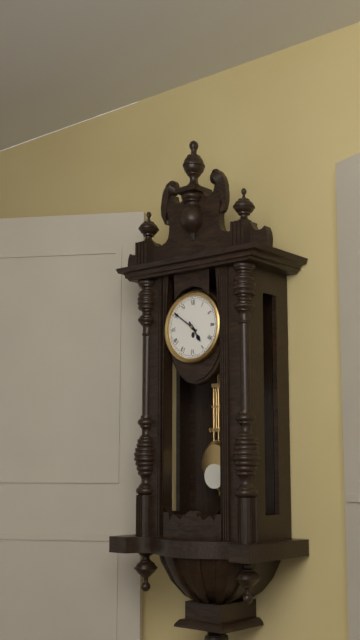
{"hour": 4, "minute": 51}
